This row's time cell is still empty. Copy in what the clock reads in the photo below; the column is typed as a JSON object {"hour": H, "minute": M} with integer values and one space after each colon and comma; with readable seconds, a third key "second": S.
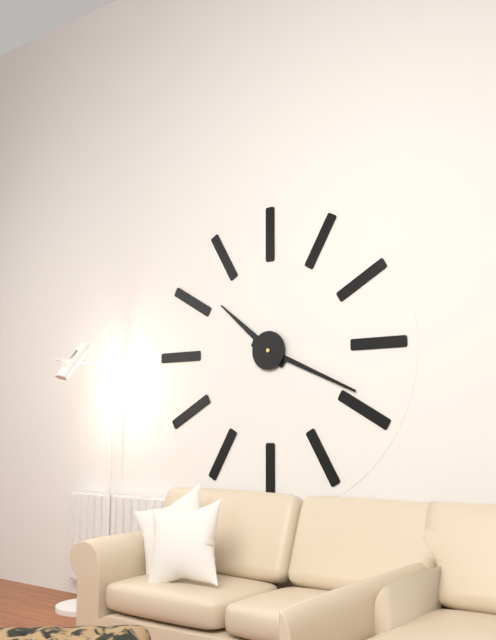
{"hour": 10, "minute": 19}
